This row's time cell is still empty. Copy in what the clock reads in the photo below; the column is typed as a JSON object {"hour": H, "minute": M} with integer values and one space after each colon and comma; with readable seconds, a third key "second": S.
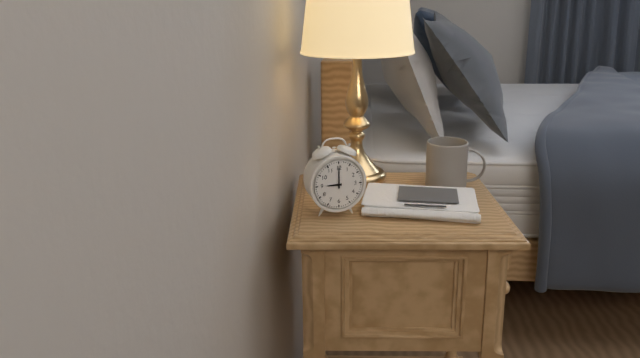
{"hour": 9, "minute": 0}
